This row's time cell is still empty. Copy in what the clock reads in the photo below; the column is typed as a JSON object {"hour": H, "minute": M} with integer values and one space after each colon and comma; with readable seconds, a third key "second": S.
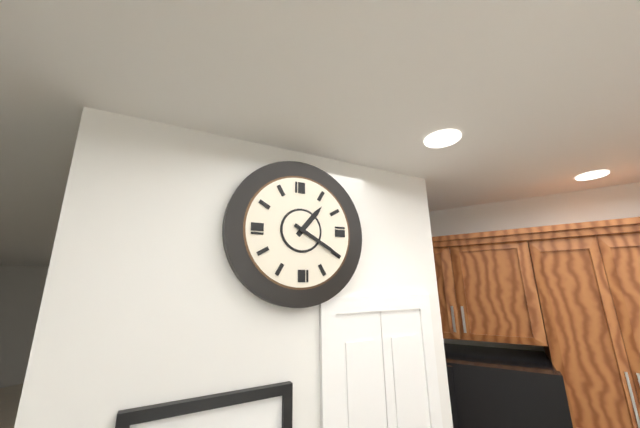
{"hour": 1, "minute": 20}
